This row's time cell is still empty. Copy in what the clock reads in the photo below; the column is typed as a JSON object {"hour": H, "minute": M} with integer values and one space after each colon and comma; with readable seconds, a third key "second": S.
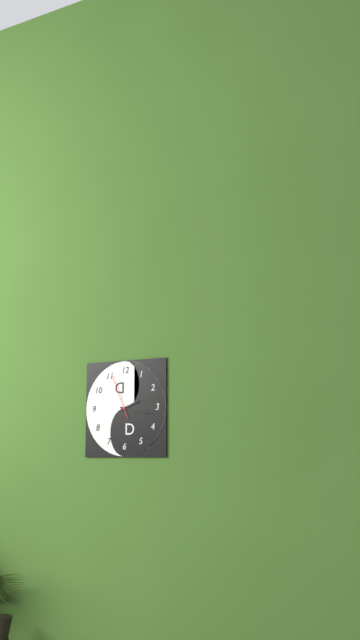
{"hour": 2, "minute": 17}
